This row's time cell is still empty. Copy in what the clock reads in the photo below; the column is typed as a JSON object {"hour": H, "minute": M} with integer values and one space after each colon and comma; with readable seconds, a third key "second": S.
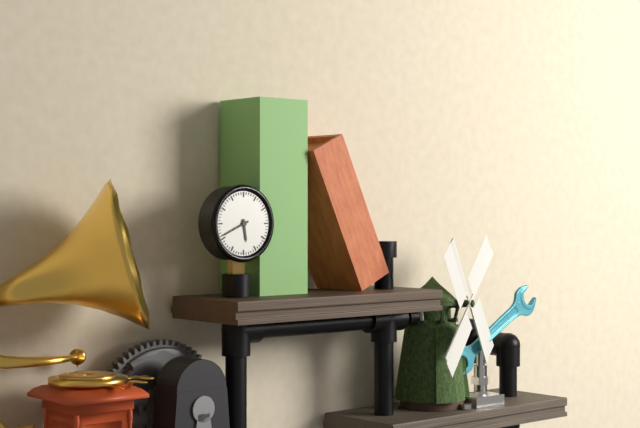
{"hour": 5, "minute": 41}
